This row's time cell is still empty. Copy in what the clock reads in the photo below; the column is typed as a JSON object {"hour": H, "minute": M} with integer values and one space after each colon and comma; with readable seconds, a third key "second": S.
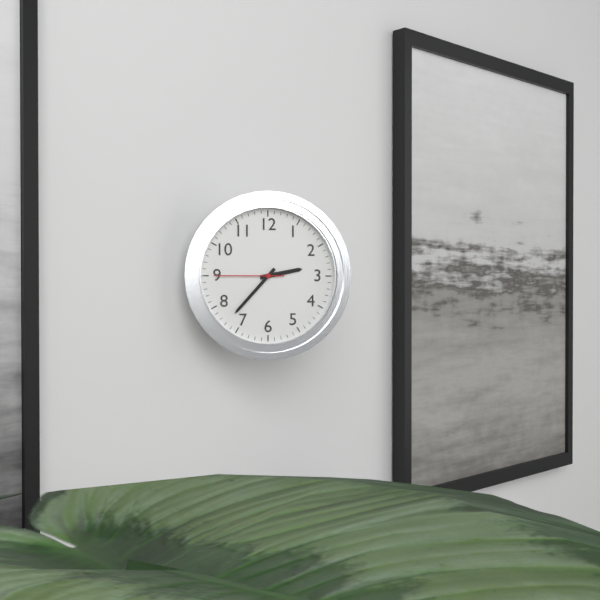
{"hour": 2, "minute": 37, "second": 45}
